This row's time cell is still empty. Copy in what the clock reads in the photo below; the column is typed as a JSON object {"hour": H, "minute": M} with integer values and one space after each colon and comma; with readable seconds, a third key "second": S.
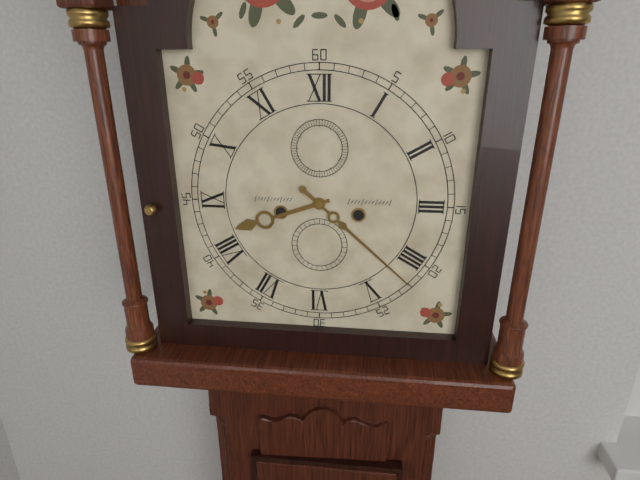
{"hour": 8, "minute": 22}
